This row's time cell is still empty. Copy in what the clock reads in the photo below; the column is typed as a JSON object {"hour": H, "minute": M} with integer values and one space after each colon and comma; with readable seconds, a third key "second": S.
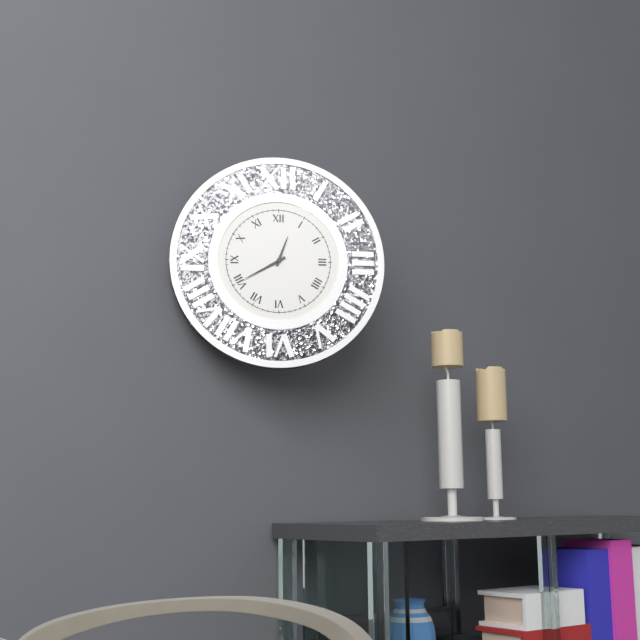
{"hour": 12, "minute": 40}
